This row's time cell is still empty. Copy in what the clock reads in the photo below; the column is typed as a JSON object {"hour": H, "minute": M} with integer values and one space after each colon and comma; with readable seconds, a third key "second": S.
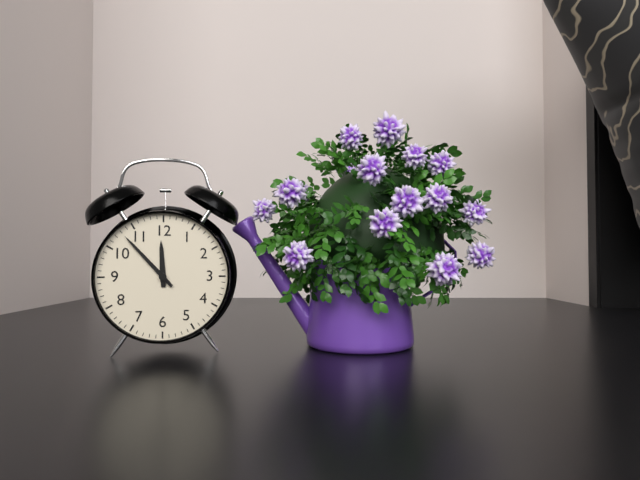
{"hour": 11, "minute": 53}
